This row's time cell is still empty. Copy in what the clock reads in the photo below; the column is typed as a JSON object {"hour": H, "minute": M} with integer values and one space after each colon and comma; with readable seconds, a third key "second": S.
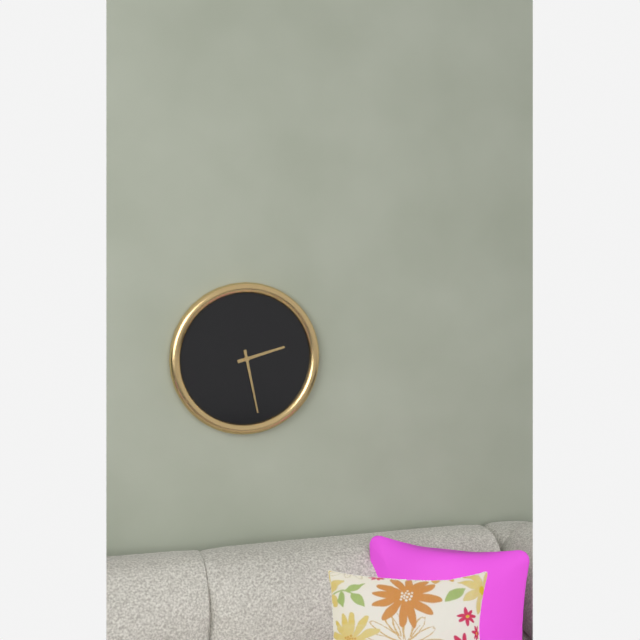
{"hour": 2, "minute": 28}
